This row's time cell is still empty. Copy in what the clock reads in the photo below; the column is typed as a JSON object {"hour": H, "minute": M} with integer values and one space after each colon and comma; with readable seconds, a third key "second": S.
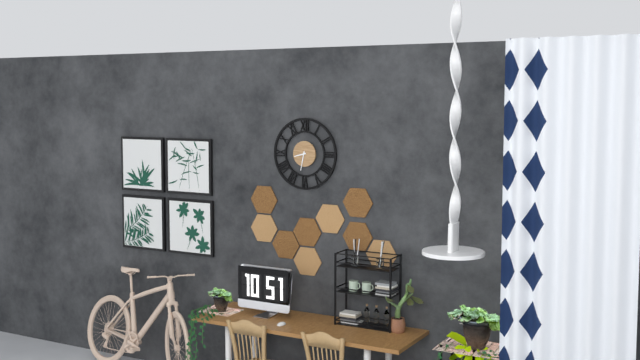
{"hour": 8, "minute": 32}
